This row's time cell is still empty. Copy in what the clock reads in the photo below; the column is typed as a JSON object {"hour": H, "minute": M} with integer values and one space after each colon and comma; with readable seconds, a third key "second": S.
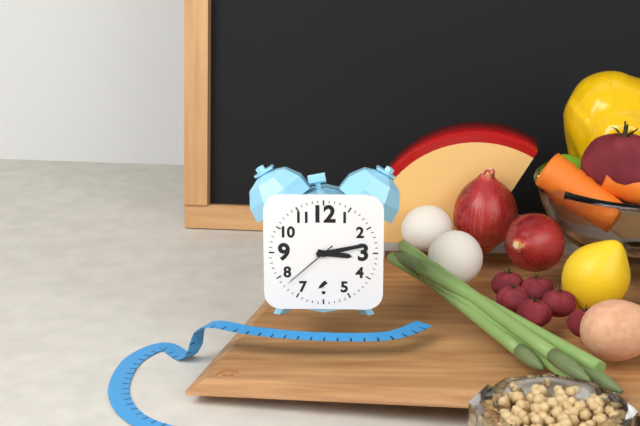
{"hour": 3, "minute": 13, "second": 38}
